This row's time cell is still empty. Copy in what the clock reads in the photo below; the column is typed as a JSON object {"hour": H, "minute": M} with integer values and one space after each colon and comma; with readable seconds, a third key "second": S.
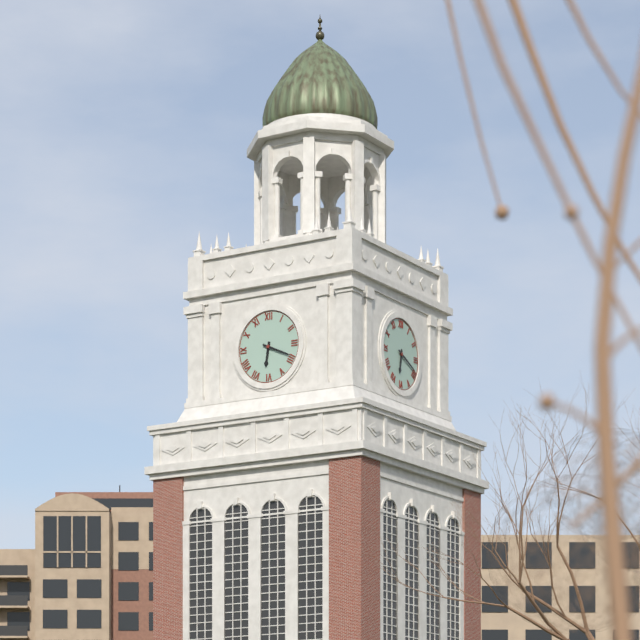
{"hour": 6, "minute": 19}
